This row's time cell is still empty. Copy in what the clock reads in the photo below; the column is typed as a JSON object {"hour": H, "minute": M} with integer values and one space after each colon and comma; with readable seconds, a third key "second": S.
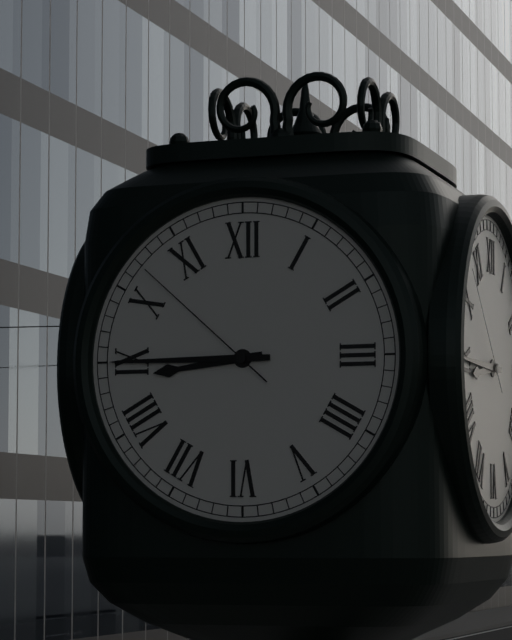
{"hour": 8, "minute": 45, "second": 52}
